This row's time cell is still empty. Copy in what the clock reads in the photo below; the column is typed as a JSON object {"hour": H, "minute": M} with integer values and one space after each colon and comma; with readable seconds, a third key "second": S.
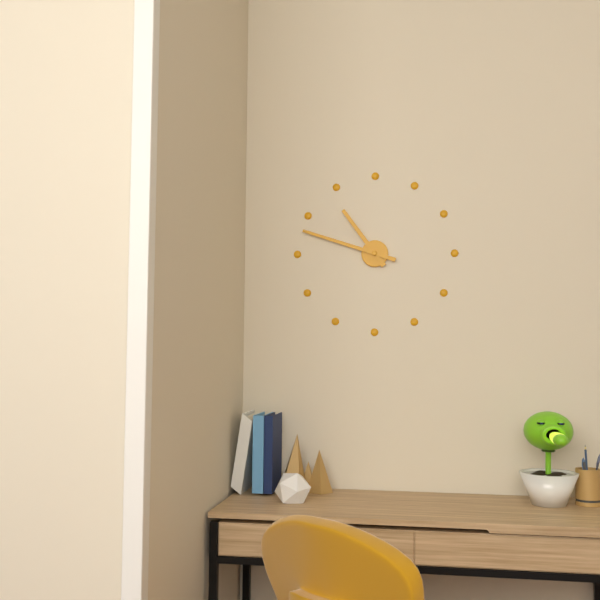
{"hour": 10, "minute": 48}
